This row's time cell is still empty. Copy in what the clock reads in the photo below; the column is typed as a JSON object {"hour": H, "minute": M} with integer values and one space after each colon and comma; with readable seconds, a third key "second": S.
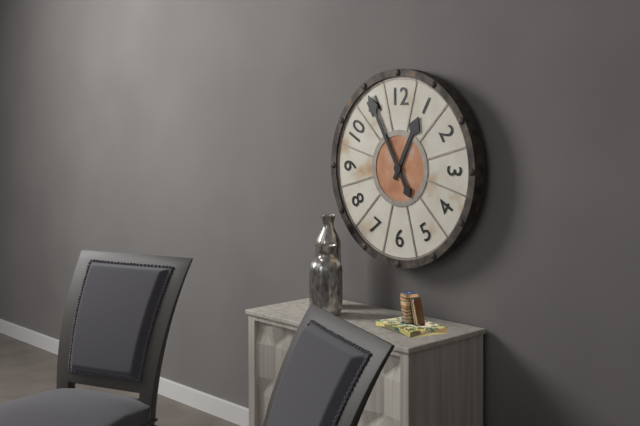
{"hour": 12, "minute": 55}
